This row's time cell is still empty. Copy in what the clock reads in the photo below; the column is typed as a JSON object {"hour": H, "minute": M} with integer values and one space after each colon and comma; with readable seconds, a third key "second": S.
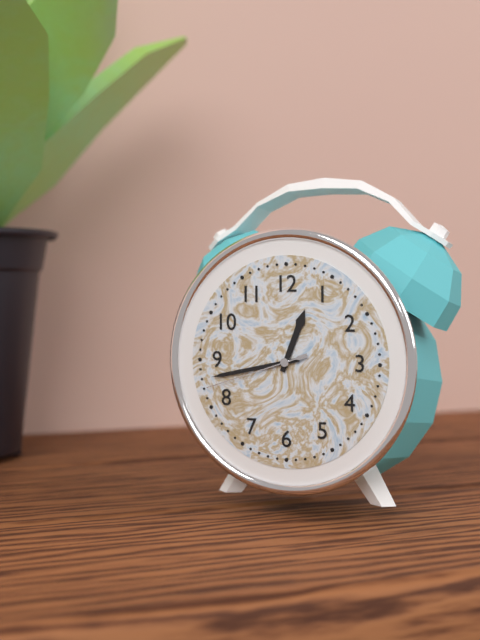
{"hour": 12, "minute": 43, "second": 42}
